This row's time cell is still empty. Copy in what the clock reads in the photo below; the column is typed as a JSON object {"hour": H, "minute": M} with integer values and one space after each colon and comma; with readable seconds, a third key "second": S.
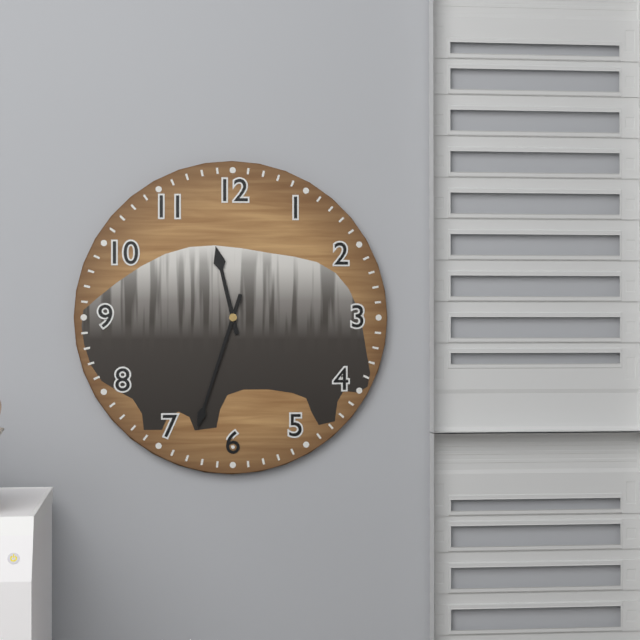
{"hour": 11, "minute": 33}
